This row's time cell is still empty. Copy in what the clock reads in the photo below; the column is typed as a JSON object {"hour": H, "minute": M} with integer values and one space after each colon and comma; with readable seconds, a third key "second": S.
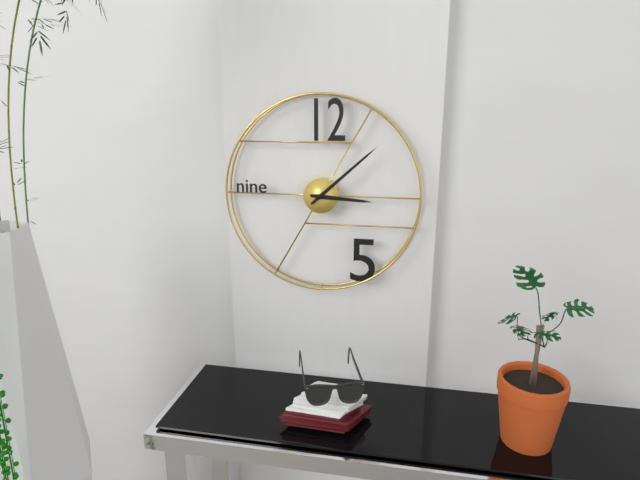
{"hour": 3, "minute": 8}
